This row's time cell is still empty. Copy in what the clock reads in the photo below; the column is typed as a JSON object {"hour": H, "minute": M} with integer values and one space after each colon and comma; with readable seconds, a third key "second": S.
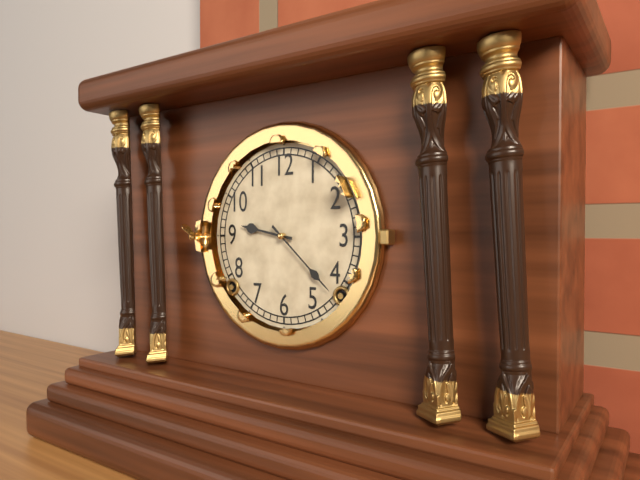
{"hour": 9, "minute": 22}
